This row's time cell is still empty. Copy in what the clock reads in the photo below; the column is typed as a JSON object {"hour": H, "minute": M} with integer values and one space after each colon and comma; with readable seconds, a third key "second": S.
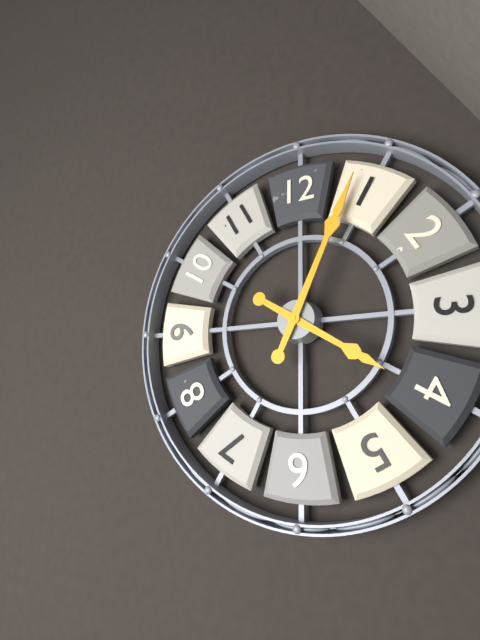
{"hour": 4, "minute": 4}
